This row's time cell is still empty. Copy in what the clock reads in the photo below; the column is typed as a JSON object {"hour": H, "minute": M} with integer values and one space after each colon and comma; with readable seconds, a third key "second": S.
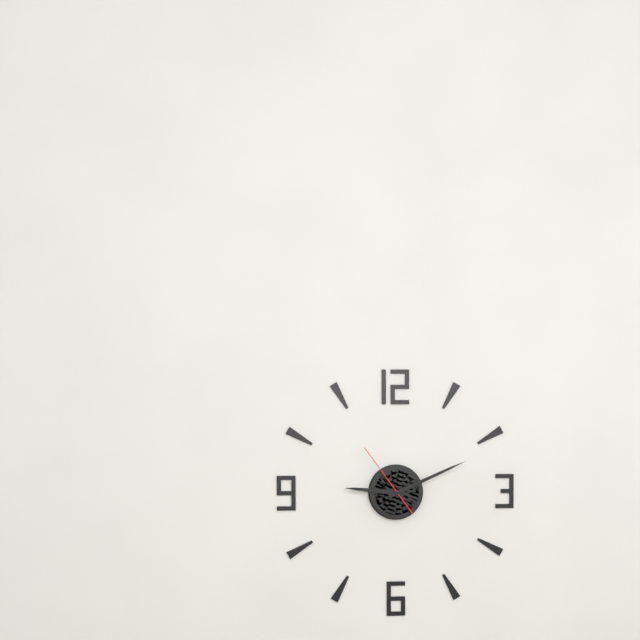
{"hour": 9, "minute": 11, "second": 54}
